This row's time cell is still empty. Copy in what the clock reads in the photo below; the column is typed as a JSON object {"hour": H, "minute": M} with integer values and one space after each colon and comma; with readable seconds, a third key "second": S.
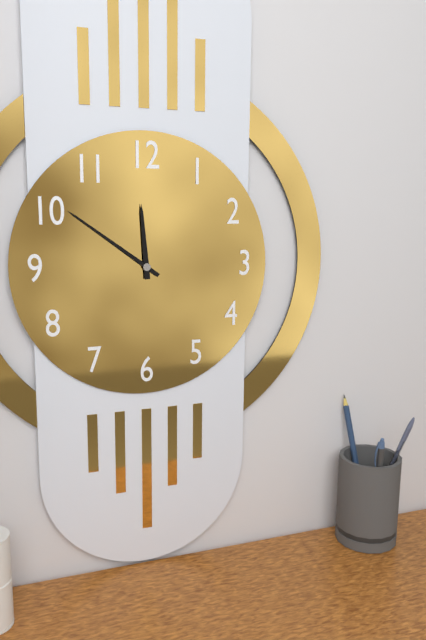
{"hour": 11, "minute": 51}
